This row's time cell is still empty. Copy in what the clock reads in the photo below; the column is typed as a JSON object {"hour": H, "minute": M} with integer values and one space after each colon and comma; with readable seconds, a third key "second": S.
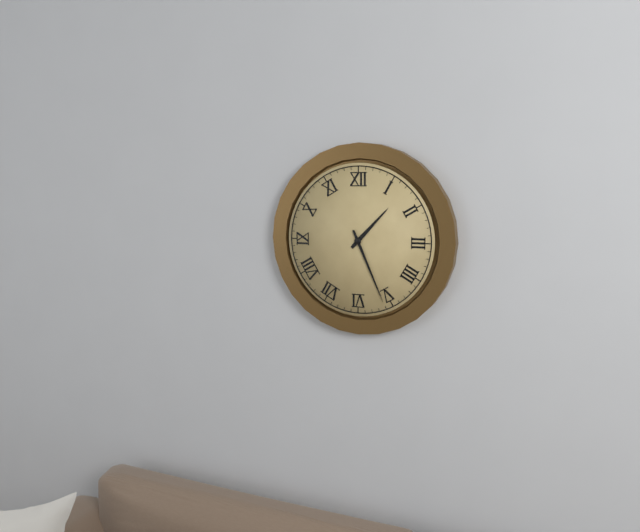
{"hour": 1, "minute": 26}
